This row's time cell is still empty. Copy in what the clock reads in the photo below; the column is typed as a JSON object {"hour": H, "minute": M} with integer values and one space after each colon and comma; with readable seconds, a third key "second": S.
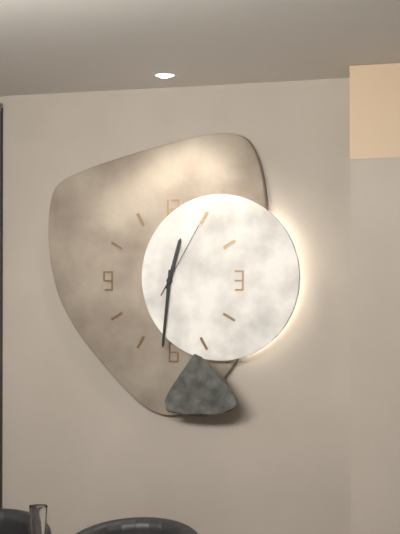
{"hour": 12, "minute": 31, "second": 5}
